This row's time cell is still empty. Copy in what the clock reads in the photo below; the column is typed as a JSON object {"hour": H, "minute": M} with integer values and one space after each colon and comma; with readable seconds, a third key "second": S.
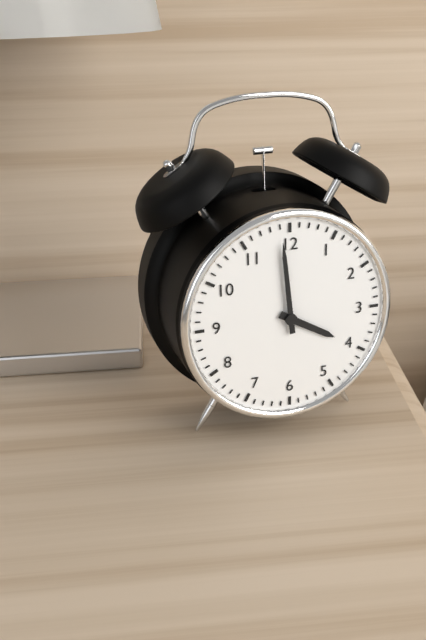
{"hour": 3, "minute": 59}
